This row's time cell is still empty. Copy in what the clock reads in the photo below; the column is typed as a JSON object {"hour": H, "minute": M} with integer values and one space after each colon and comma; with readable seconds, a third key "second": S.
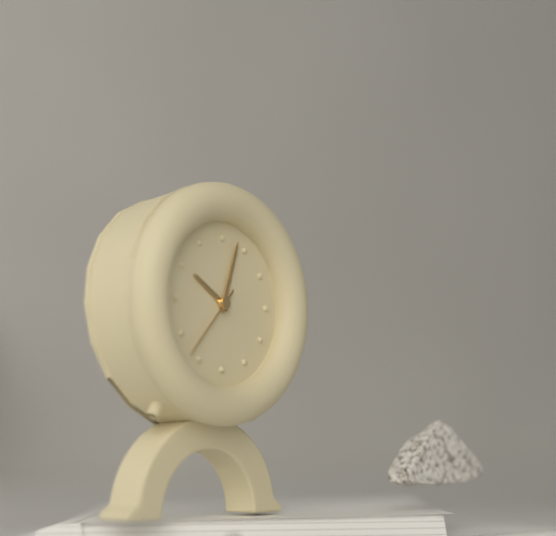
{"hour": 10, "minute": 3, "second": 37}
